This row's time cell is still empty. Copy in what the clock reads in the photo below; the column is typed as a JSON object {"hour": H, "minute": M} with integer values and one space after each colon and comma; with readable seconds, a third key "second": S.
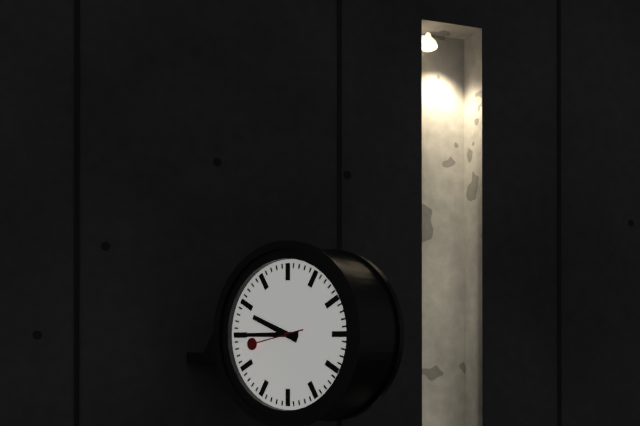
{"hour": 9, "minute": 45, "second": 43}
